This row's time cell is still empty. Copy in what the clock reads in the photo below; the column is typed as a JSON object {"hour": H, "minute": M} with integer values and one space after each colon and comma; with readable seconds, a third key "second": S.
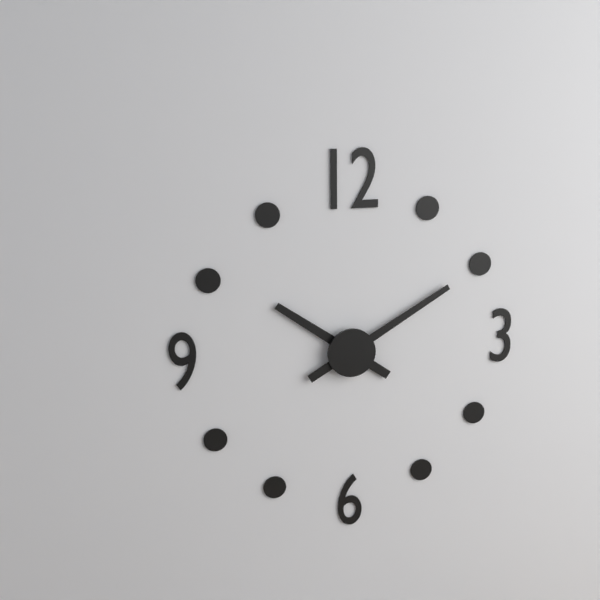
{"hour": 10, "minute": 10}
